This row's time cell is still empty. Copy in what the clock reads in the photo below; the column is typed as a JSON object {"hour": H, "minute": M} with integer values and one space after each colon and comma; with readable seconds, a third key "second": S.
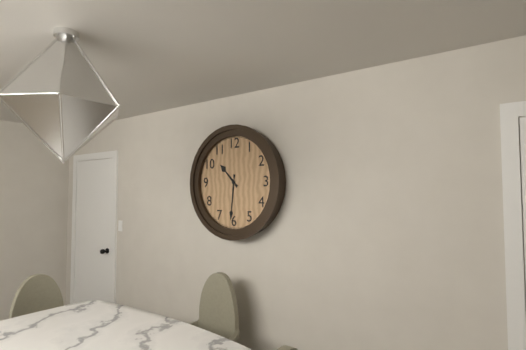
{"hour": 10, "minute": 31}
